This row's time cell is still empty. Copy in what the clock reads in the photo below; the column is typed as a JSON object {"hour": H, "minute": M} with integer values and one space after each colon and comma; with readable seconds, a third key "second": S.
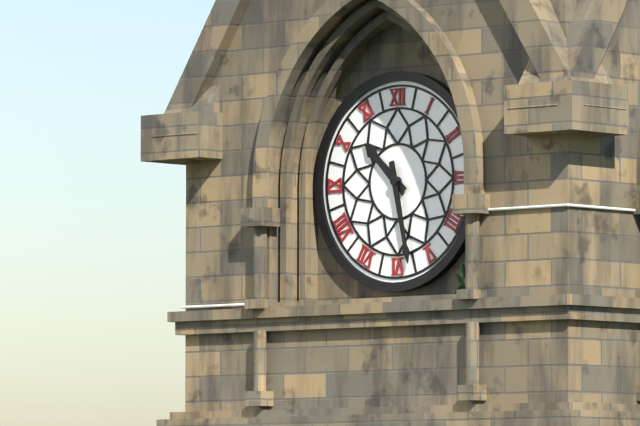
{"hour": 10, "minute": 28}
